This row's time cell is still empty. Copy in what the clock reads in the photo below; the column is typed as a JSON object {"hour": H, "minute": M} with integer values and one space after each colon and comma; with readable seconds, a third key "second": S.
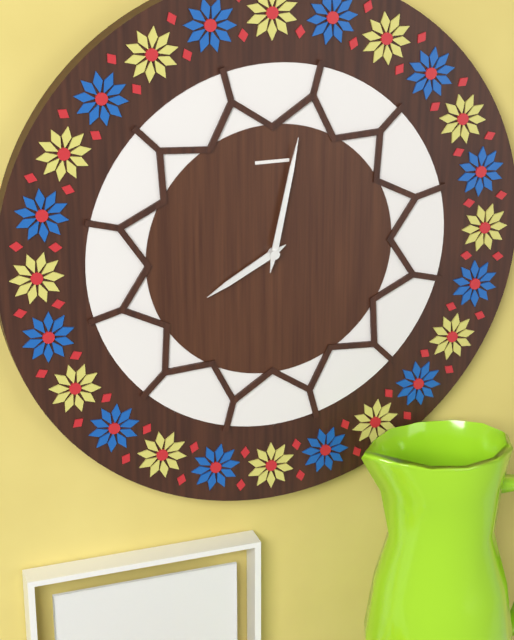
{"hour": 8, "minute": 2}
